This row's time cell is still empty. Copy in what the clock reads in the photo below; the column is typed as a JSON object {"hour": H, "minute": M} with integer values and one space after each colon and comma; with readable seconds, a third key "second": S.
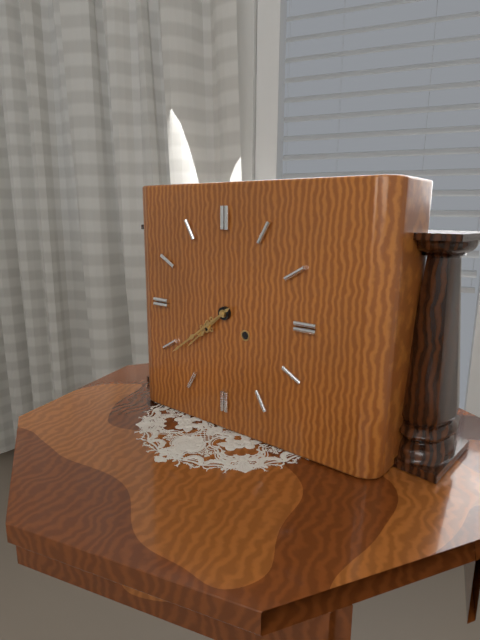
{"hour": 7, "minute": 39}
